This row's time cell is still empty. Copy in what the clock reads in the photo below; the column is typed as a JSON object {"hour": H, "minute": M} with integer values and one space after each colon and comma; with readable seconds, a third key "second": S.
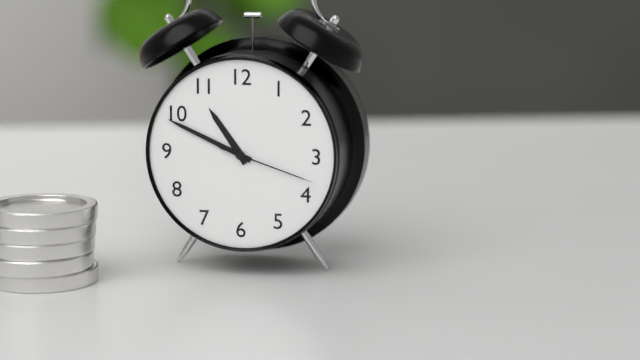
{"hour": 10, "minute": 49, "second": 18}
